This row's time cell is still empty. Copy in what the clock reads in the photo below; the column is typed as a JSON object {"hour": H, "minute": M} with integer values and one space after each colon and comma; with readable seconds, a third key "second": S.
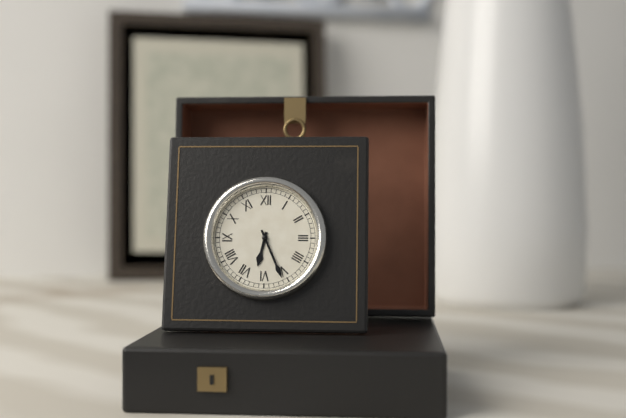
{"hour": 6, "minute": 26}
